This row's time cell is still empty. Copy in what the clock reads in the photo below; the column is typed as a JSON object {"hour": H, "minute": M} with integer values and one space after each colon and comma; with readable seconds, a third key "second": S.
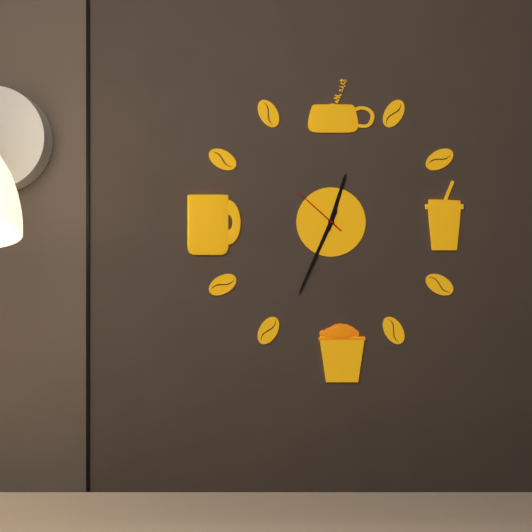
{"hour": 12, "minute": 34, "second": 52}
